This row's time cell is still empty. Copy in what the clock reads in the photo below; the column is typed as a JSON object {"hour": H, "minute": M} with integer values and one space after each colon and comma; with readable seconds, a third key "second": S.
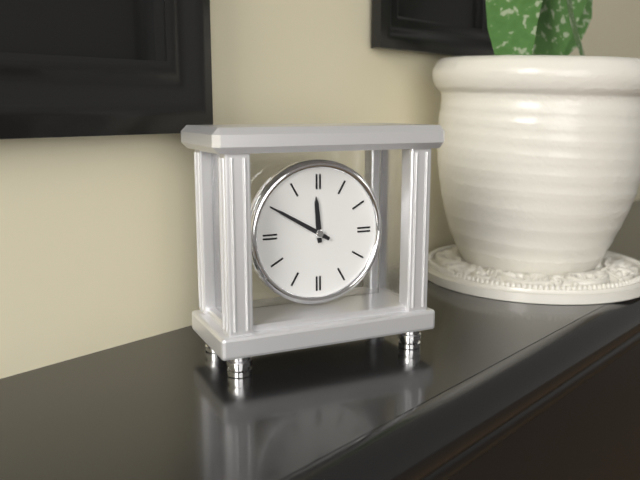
{"hour": 11, "minute": 50}
